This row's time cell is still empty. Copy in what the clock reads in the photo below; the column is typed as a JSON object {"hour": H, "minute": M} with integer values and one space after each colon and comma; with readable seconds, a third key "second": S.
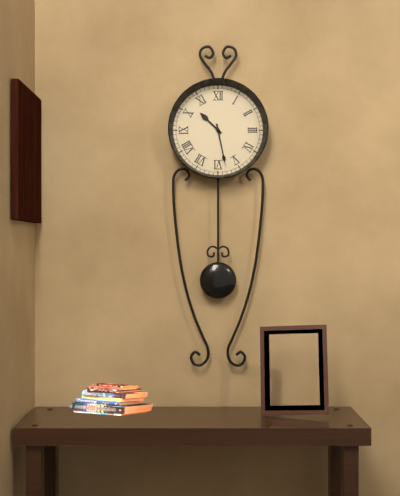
{"hour": 10, "minute": 28}
